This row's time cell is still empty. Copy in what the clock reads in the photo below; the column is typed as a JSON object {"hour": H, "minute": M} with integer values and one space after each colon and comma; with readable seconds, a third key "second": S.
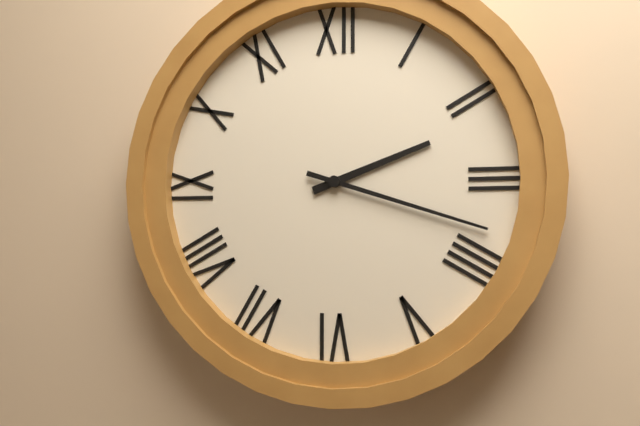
{"hour": 2, "minute": 18}
